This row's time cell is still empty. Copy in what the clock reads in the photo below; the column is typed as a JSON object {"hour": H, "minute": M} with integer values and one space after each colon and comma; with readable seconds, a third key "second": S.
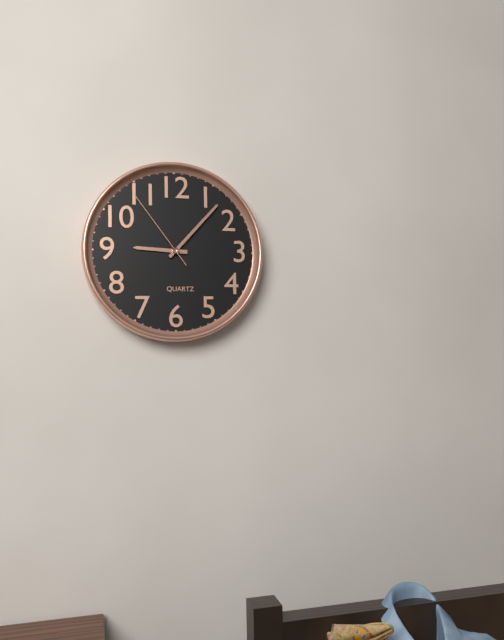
{"hour": 9, "minute": 7, "second": 54}
